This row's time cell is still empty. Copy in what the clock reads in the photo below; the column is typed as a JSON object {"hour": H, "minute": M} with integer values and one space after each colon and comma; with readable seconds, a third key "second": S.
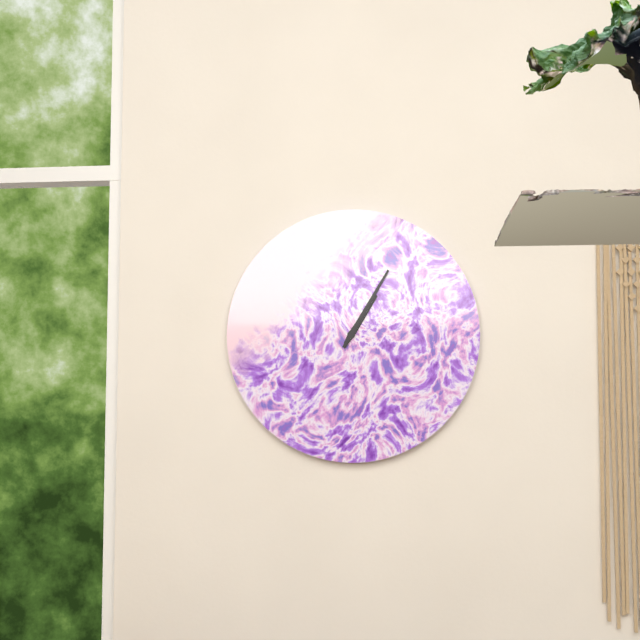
{"hour": 1, "minute": 5}
